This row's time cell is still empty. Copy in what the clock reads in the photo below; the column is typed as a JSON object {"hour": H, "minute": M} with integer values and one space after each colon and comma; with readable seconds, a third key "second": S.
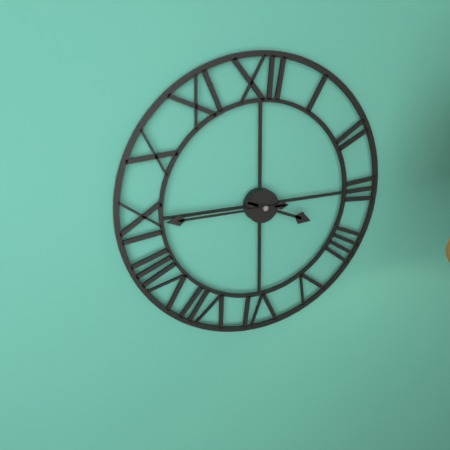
{"hour": 3, "minute": 45}
